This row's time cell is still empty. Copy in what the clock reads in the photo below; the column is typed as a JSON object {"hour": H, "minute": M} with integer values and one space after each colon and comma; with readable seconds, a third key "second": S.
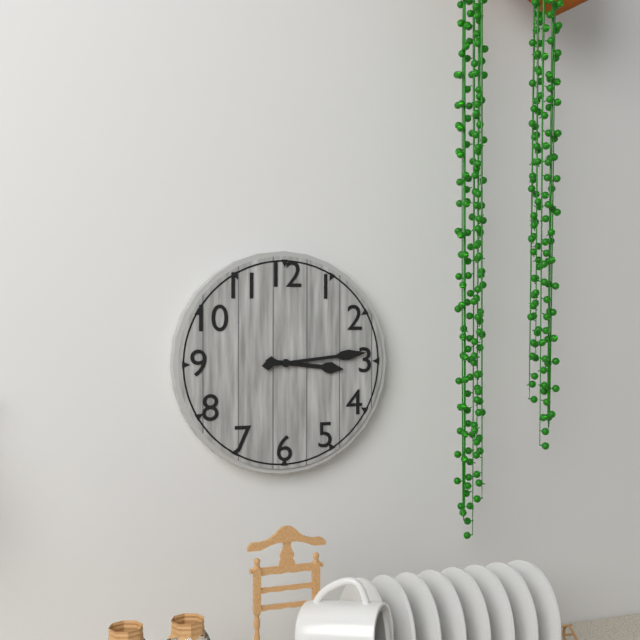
{"hour": 3, "minute": 14}
